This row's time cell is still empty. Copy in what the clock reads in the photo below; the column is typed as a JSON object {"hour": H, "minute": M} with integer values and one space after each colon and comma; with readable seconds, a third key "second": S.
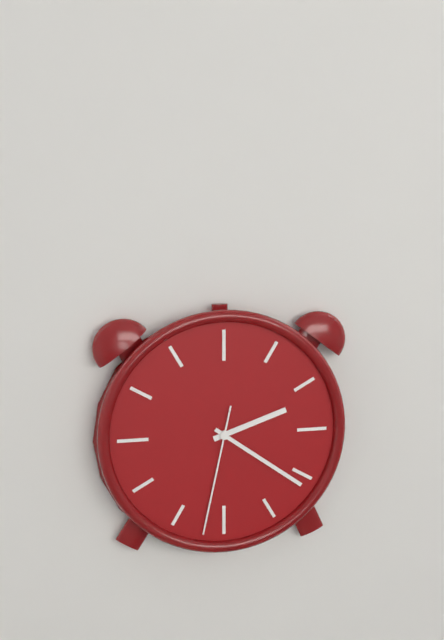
{"hour": 2, "minute": 21, "second": 32}
